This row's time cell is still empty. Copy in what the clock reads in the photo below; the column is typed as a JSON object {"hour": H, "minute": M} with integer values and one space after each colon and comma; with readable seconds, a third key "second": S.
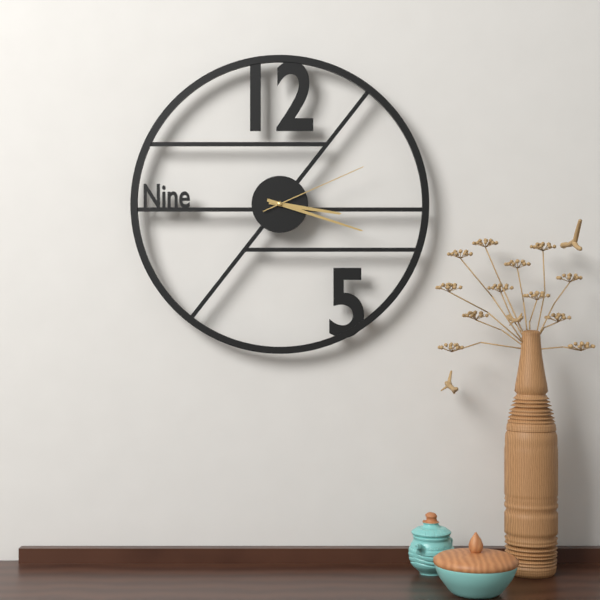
{"hour": 3, "minute": 18, "second": 11}
